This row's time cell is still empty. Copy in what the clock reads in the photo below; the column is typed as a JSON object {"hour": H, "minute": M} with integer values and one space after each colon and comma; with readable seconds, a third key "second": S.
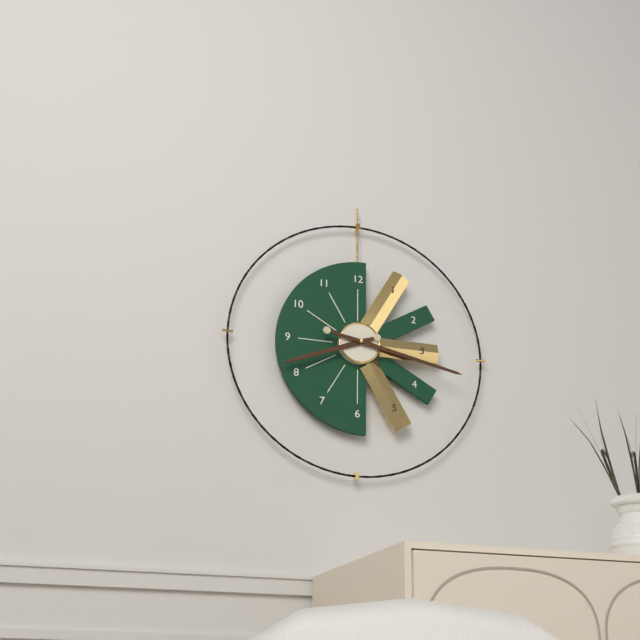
{"hour": 8, "minute": 17}
